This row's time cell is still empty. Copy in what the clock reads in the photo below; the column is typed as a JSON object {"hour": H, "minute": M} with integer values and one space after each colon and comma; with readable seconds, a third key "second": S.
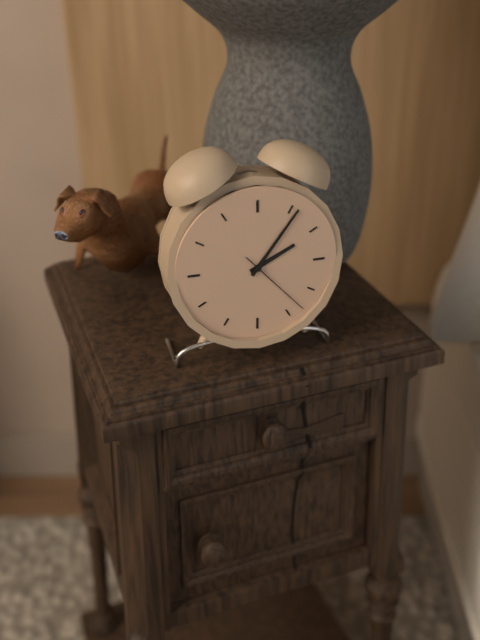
{"hour": 2, "minute": 6, "second": 23}
